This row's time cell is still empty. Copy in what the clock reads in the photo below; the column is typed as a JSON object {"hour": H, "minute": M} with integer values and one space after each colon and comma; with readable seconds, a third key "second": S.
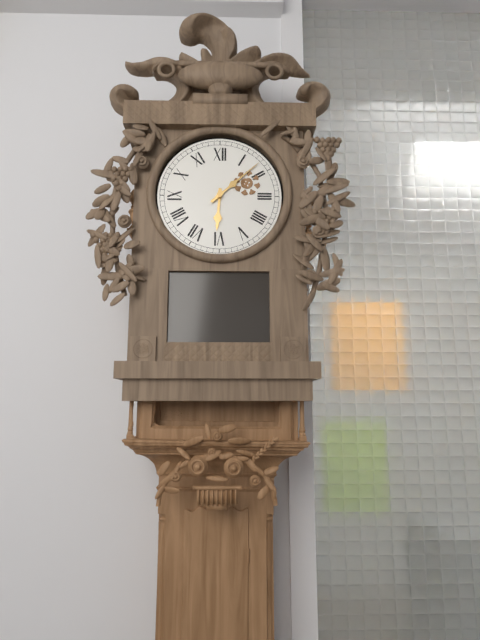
{"hour": 6, "minute": 8}
